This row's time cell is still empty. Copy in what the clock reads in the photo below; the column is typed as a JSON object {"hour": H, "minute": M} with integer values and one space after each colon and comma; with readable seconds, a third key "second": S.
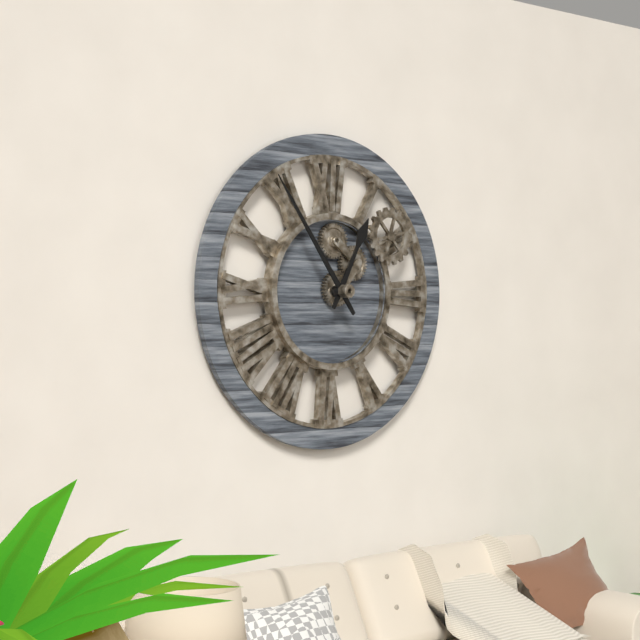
{"hour": 12, "minute": 54}
